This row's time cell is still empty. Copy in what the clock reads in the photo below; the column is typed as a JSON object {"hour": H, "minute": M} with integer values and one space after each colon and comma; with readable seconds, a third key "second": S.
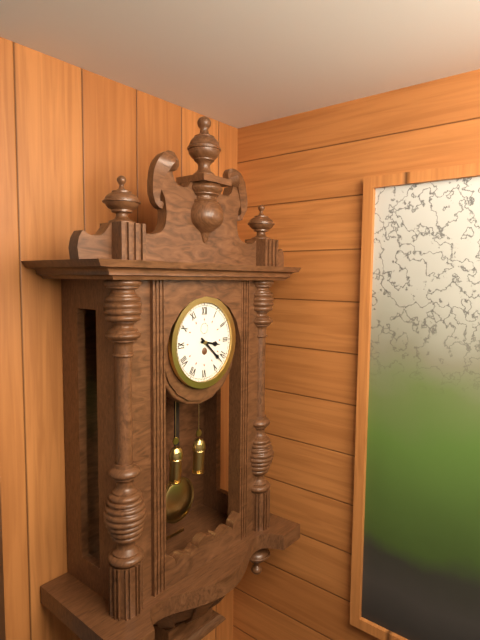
{"hour": 3, "minute": 22}
